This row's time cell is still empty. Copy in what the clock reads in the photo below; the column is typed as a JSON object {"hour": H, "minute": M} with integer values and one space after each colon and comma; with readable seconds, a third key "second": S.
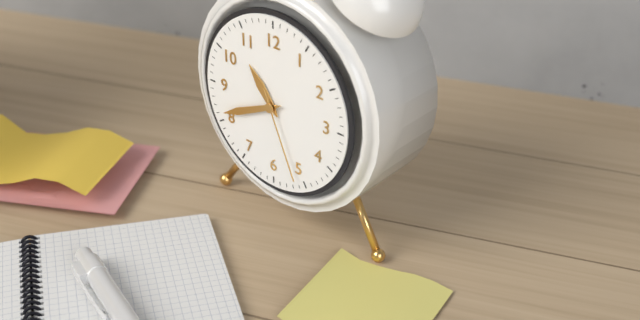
{"hour": 10, "minute": 41, "second": 26}
